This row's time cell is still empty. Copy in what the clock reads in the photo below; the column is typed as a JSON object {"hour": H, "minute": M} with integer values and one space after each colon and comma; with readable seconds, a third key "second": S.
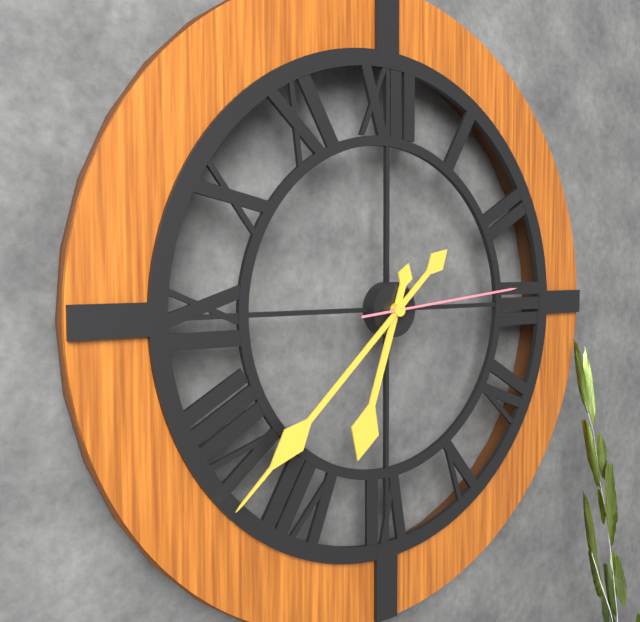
{"hour": 6, "minute": 38, "second": 14}
